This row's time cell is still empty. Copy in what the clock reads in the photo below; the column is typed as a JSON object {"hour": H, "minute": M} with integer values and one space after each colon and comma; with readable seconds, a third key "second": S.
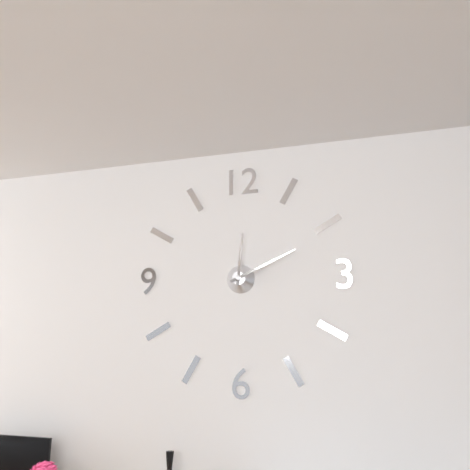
{"hour": 12, "minute": 11}
